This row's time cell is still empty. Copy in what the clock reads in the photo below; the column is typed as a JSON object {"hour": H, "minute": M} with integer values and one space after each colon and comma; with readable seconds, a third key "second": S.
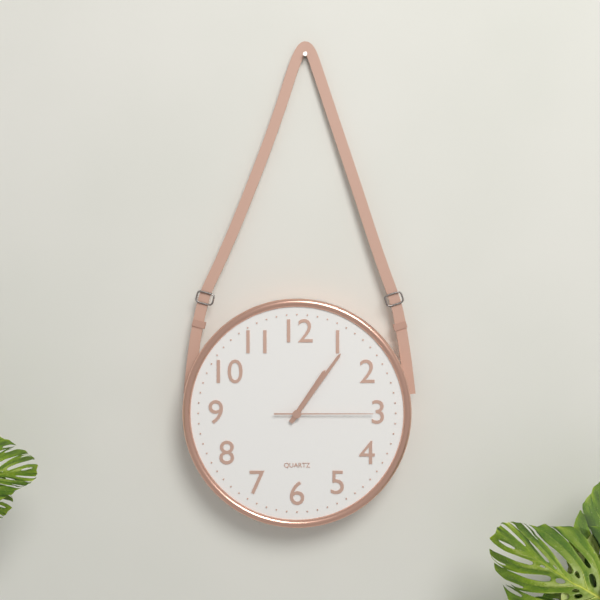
{"hour": 1, "minute": 6, "second": 15}
